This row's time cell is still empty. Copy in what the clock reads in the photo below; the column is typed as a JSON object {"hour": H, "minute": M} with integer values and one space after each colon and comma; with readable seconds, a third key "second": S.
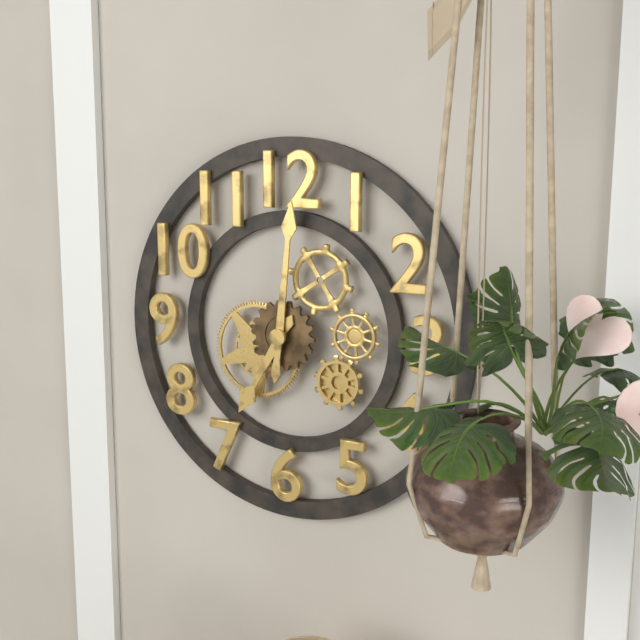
{"hour": 7, "minute": 1}
